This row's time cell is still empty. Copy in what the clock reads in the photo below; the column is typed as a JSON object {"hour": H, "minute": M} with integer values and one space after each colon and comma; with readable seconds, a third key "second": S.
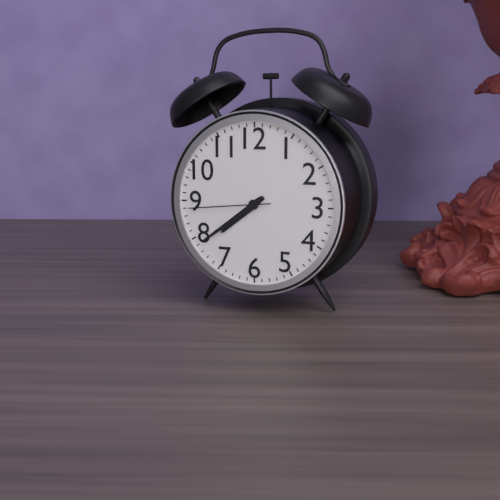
{"hour": 7, "minute": 39, "second": 44}
